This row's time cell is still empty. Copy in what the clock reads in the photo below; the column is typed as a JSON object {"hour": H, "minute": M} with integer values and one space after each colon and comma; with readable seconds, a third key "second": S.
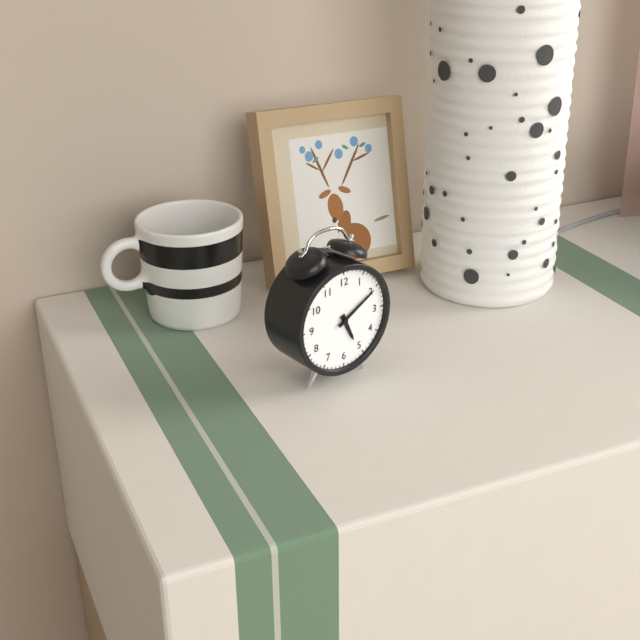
{"hour": 5, "minute": 10}
